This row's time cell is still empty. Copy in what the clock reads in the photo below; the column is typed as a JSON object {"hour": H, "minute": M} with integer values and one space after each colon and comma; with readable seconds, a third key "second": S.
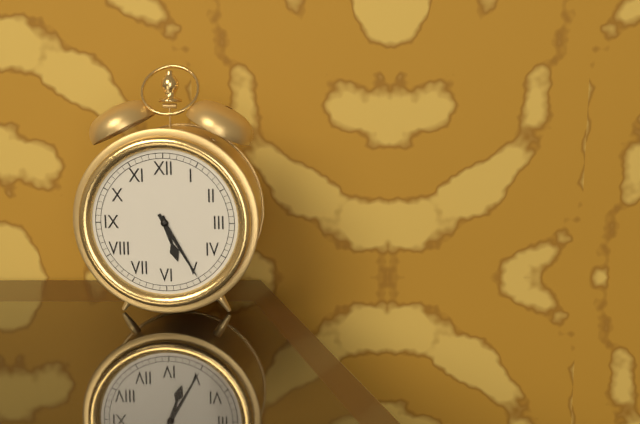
{"hour": 5, "minute": 25}
